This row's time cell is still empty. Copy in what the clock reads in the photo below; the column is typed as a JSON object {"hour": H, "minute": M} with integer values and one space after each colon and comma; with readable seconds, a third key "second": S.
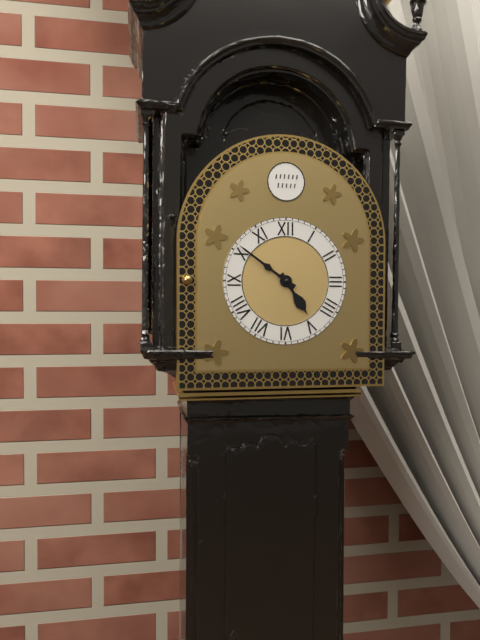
{"hour": 4, "minute": 51}
